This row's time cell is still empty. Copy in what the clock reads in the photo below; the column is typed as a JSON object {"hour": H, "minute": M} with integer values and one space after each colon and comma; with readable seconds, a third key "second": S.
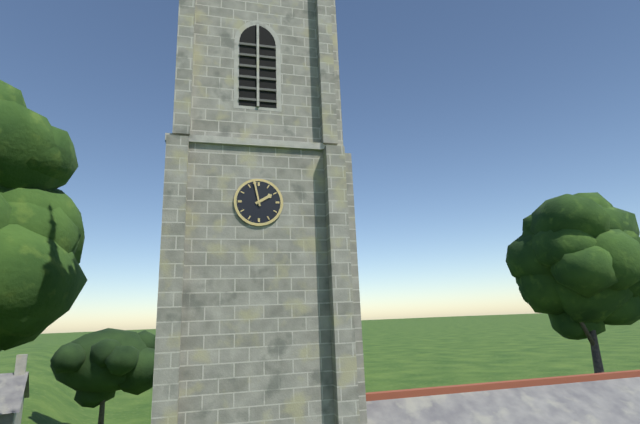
{"hour": 1, "minute": 58}
